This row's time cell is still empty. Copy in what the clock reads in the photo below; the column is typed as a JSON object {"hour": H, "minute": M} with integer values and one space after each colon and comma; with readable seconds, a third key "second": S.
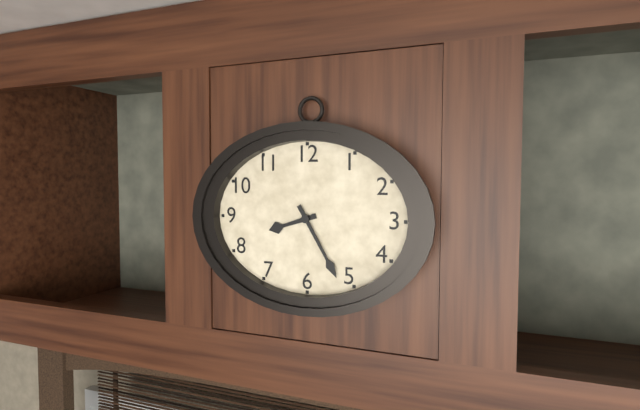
{"hour": 8, "minute": 25}
